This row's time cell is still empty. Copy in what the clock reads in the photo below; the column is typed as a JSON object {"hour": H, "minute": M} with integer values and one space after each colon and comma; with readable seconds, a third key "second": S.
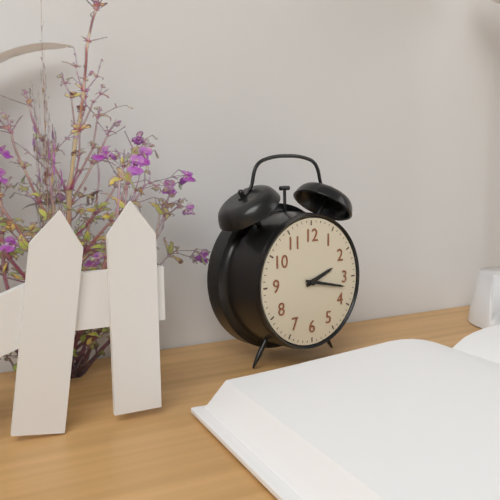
{"hour": 2, "minute": 17}
